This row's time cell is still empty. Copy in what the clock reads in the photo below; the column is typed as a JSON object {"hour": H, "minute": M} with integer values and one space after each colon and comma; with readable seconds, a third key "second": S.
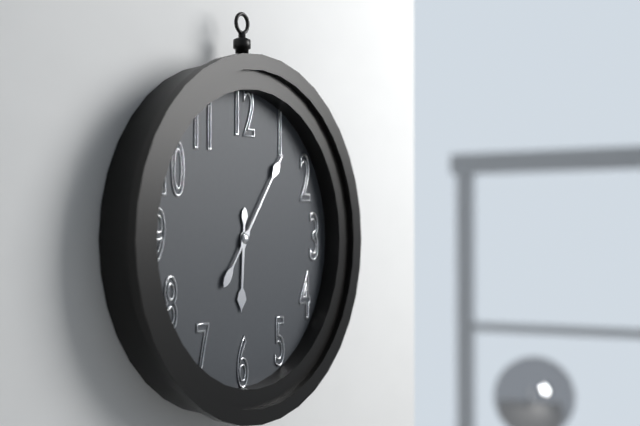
{"hour": 6, "minute": 6}
